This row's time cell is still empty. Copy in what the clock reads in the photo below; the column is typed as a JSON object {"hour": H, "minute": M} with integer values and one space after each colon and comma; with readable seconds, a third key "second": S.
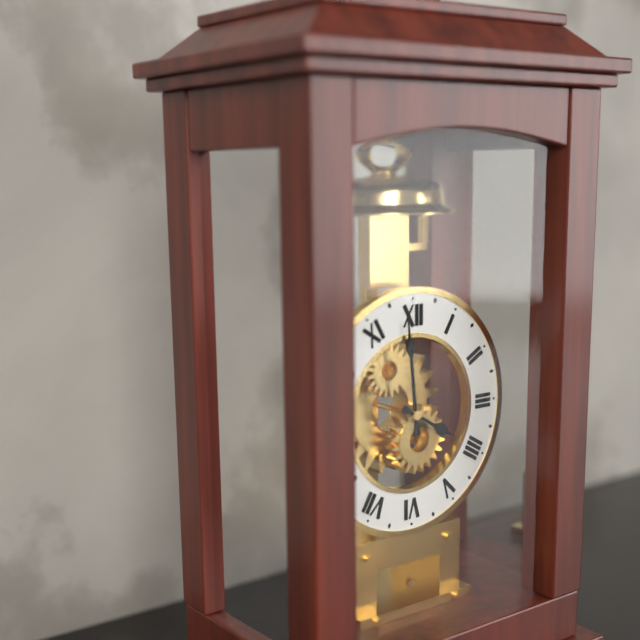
{"hour": 3, "minute": 59}
